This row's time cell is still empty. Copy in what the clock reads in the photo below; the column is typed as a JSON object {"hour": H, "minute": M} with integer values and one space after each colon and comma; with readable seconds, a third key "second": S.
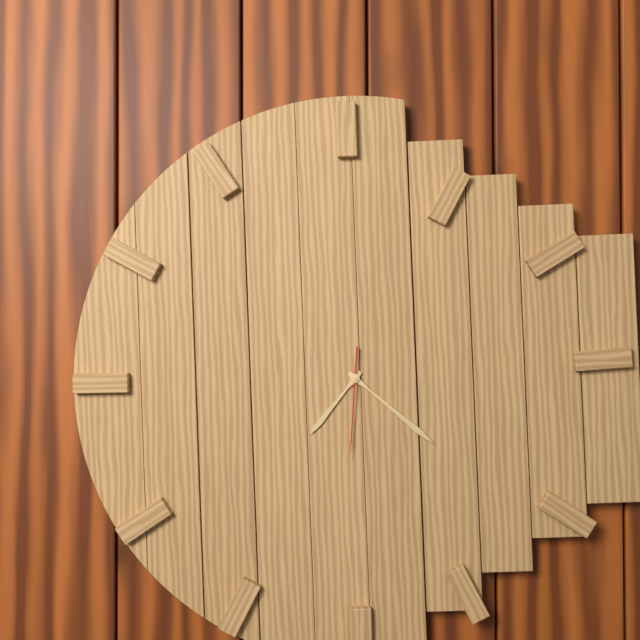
{"hour": 7, "minute": 22, "second": 31}
